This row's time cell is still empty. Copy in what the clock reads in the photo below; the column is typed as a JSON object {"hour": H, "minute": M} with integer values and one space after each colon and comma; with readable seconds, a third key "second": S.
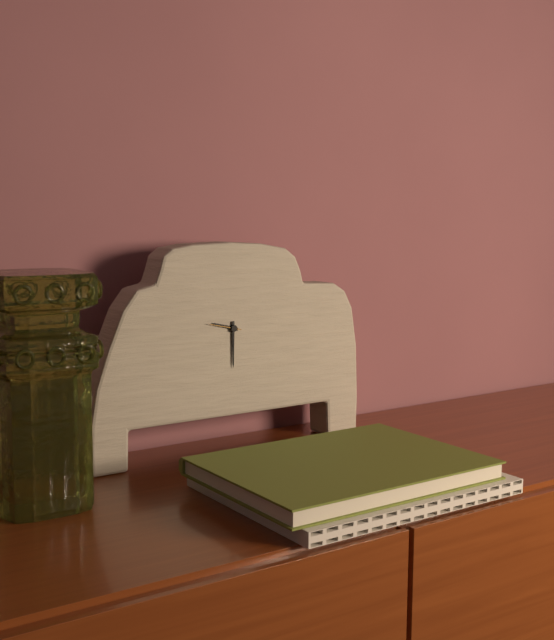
{"hour": 9, "minute": 30}
